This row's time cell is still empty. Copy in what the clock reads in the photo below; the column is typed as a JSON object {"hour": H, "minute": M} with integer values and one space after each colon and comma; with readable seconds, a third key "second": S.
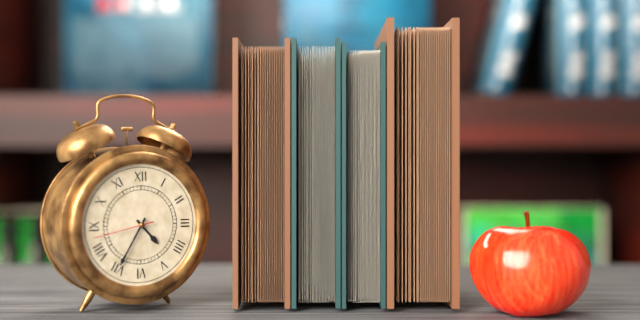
{"hour": 4, "minute": 35, "second": 43}
